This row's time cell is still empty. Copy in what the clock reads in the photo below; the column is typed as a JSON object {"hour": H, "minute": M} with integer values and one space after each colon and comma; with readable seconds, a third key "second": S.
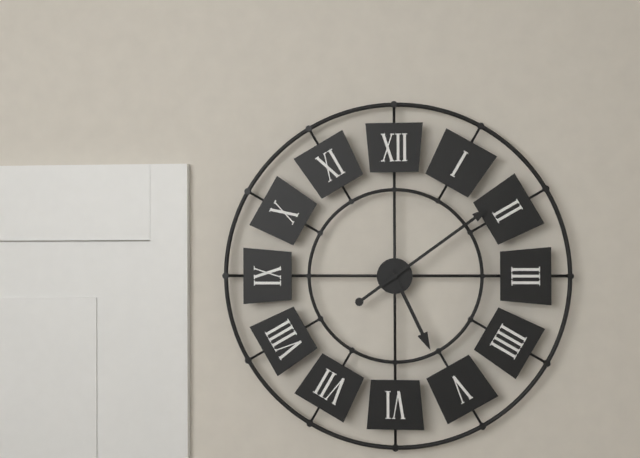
{"hour": 5, "minute": 9}
